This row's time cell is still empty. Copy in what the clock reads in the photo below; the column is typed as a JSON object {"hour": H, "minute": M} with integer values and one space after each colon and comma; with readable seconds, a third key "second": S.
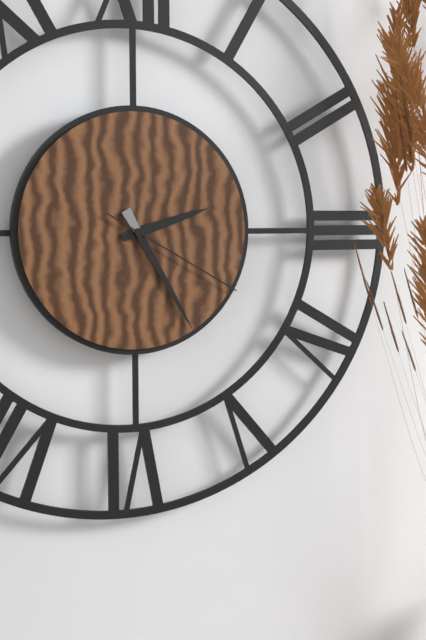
{"hour": 2, "minute": 25, "second": 20}
